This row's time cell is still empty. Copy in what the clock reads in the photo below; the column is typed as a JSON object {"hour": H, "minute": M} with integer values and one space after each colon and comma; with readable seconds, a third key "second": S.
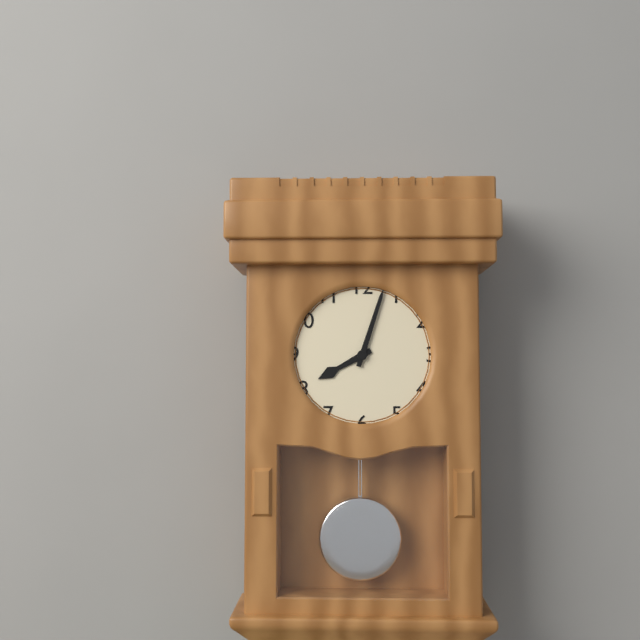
{"hour": 8, "minute": 3}
